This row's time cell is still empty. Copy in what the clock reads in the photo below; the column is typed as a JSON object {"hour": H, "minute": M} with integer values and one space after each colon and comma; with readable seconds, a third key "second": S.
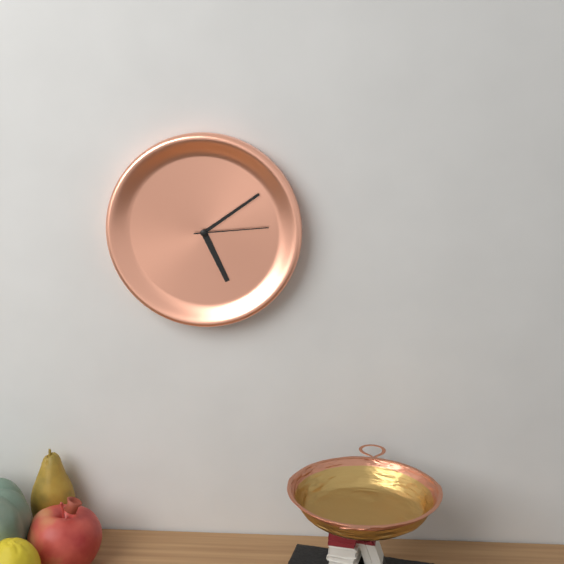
{"hour": 5, "minute": 9, "second": 14}
